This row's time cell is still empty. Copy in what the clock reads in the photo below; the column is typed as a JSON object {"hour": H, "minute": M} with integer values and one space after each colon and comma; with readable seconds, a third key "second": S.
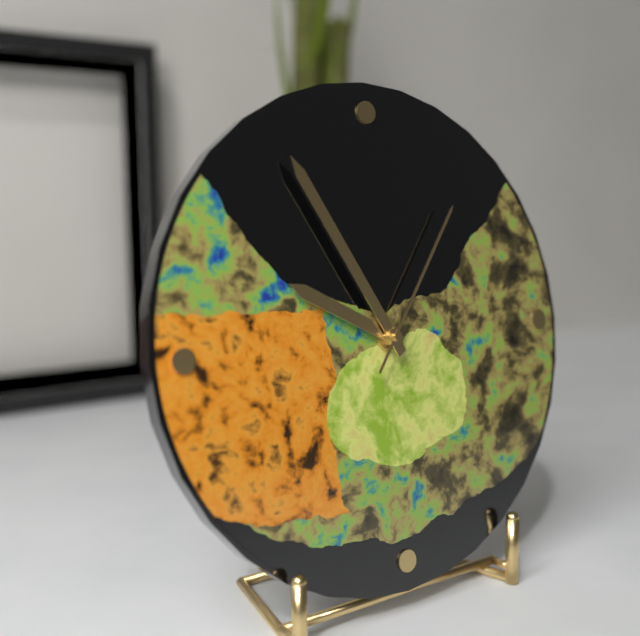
{"hour": 9, "minute": 55, "second": 6}
